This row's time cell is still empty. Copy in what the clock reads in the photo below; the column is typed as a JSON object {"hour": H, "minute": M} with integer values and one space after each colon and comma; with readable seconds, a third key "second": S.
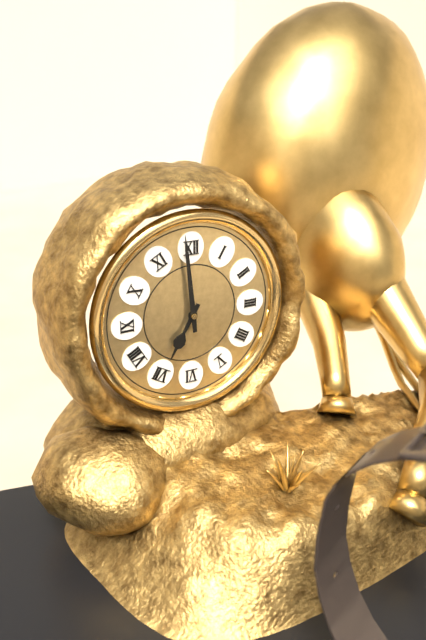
{"hour": 6, "minute": 59}
